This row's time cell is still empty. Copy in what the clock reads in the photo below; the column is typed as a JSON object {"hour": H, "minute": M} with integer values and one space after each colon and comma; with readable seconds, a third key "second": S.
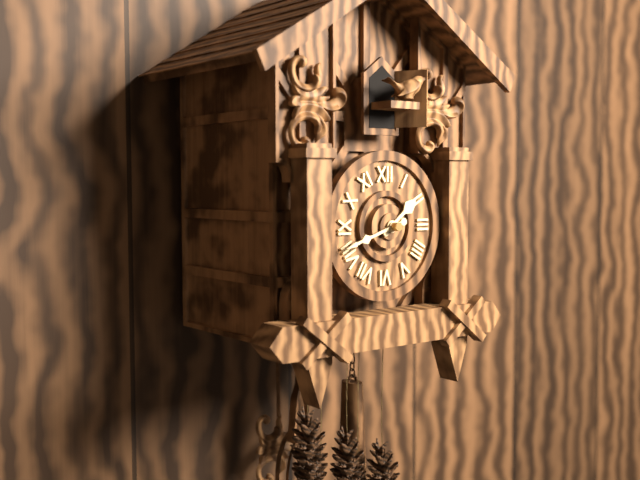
{"hour": 1, "minute": 42}
